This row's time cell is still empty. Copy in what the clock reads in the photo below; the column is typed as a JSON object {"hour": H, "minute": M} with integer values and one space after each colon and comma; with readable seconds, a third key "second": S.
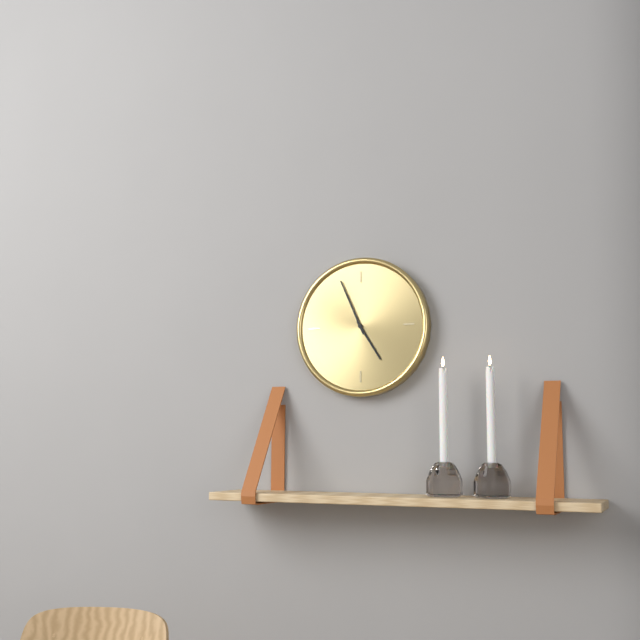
{"hour": 4, "minute": 56}
